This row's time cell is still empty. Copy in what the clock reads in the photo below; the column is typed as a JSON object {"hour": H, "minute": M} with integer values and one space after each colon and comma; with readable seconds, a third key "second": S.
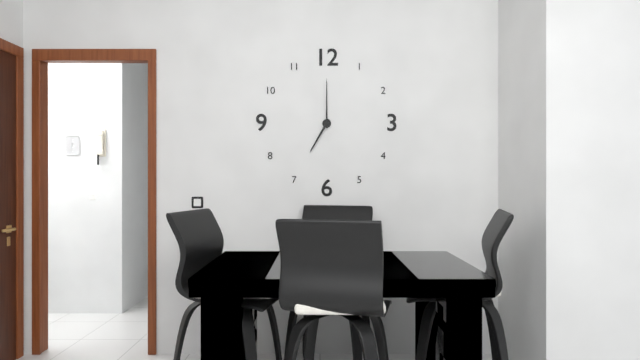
{"hour": 7, "minute": 0}
